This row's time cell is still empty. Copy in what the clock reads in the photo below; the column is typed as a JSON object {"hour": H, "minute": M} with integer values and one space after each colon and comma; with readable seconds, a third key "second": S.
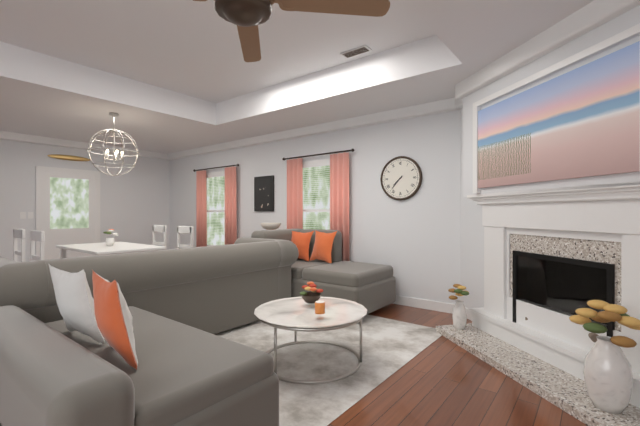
{"hour": 7, "minute": 37}
